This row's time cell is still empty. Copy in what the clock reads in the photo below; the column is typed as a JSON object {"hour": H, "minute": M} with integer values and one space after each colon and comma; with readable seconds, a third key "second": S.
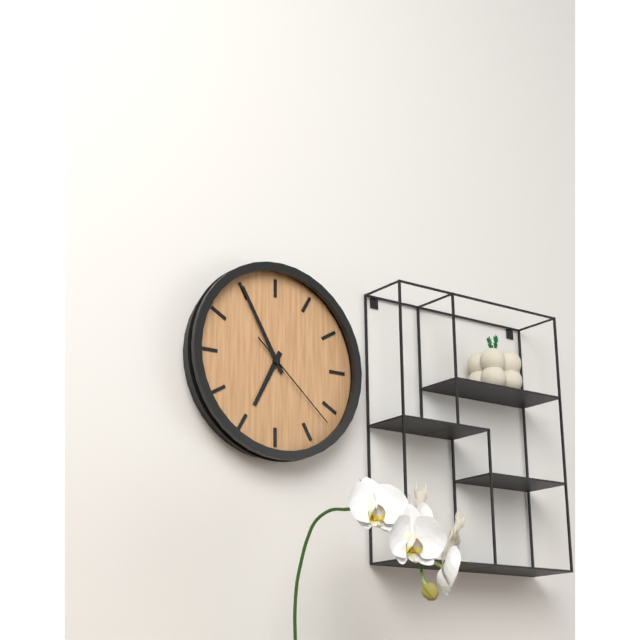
{"hour": 6, "minute": 55, "second": 22}
